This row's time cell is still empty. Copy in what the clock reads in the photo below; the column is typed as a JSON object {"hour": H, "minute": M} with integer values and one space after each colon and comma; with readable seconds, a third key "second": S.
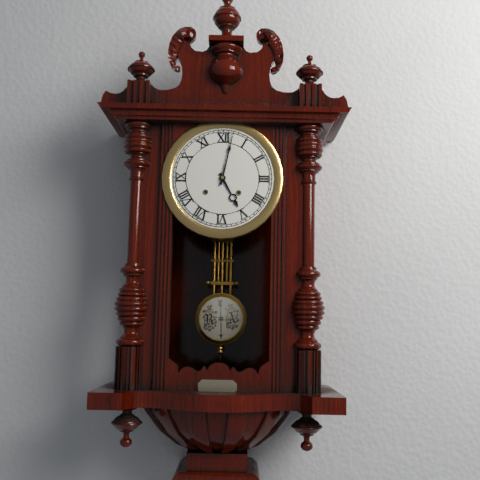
{"hour": 5, "minute": 2}
